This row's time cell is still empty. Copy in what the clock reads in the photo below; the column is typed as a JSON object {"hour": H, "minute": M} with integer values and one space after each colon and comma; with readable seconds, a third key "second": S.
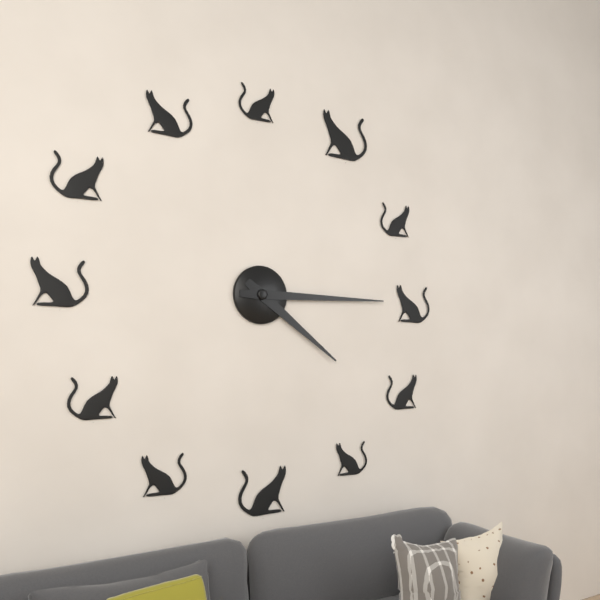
{"hour": 4, "minute": 15}
